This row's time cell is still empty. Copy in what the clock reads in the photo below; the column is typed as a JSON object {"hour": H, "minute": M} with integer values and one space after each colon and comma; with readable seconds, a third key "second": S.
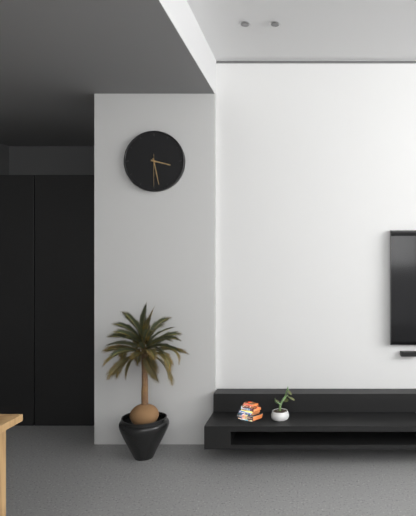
{"hour": 3, "minute": 28}
